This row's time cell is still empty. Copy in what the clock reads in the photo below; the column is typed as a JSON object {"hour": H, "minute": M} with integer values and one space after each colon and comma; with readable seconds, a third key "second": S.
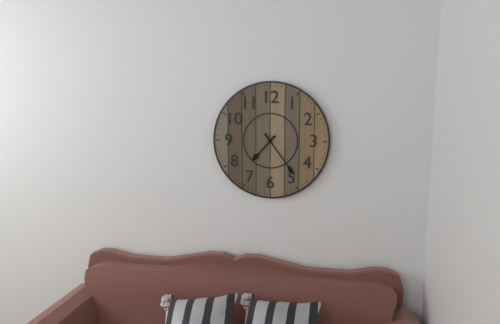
{"hour": 7, "minute": 24}
